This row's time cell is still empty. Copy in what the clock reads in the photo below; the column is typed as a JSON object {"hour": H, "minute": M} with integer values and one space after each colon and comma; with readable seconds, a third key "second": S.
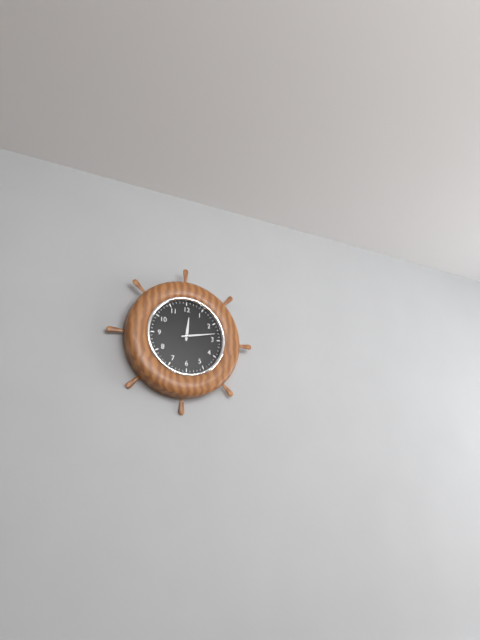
{"hour": 12, "minute": 13}
